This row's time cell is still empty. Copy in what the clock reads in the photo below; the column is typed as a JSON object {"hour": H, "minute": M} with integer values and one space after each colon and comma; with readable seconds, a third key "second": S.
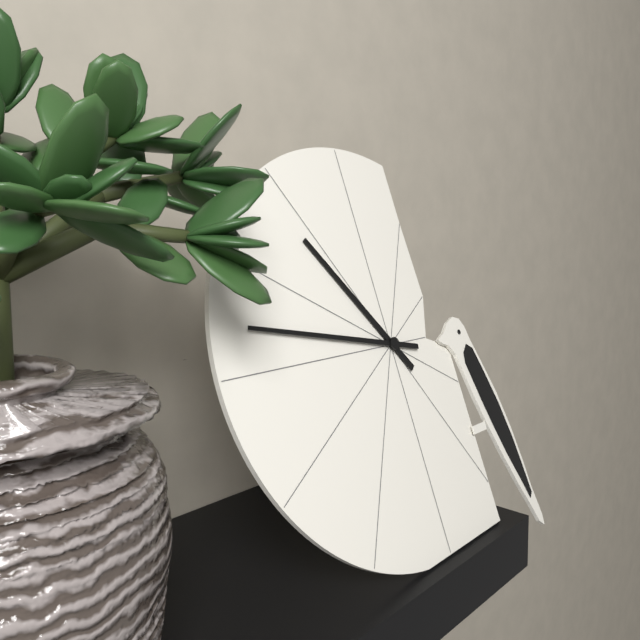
{"hour": 10, "minute": 47}
